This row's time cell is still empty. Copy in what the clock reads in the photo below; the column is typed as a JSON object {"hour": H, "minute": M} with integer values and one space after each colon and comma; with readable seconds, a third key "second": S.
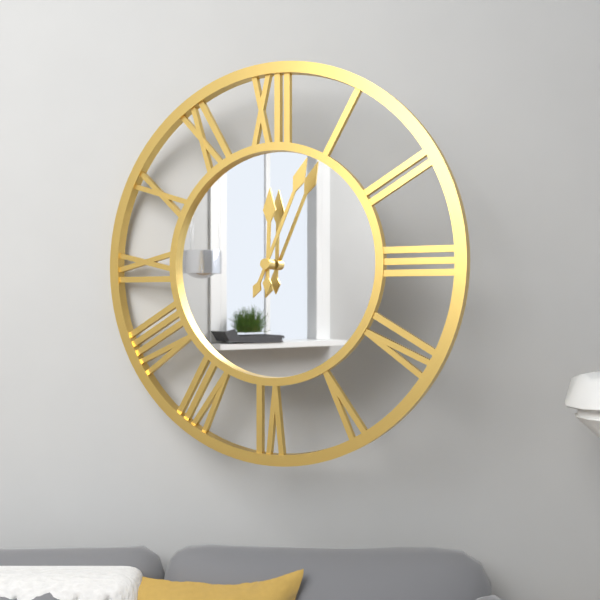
{"hour": 12, "minute": 4}
